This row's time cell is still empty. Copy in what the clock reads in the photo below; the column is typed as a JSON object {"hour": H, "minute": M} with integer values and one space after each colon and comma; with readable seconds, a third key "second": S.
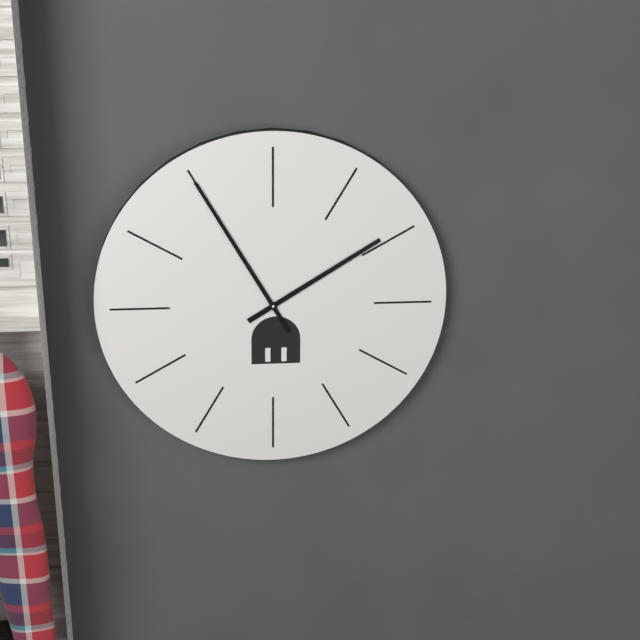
{"hour": 1, "minute": 55}
